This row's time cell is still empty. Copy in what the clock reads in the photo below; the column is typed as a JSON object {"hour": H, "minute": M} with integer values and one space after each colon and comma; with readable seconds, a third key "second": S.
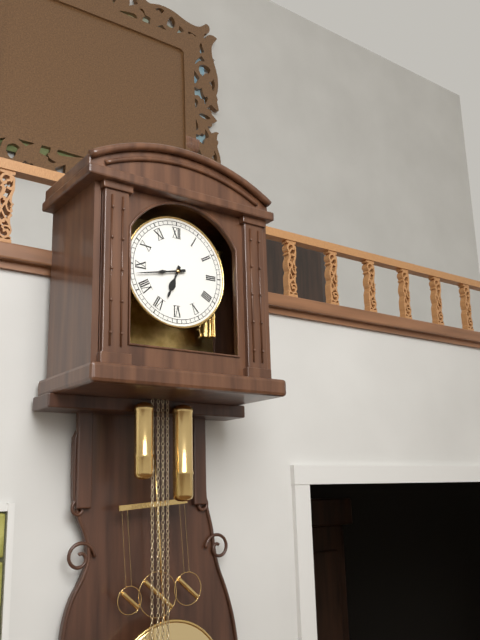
{"hour": 6, "minute": 43}
